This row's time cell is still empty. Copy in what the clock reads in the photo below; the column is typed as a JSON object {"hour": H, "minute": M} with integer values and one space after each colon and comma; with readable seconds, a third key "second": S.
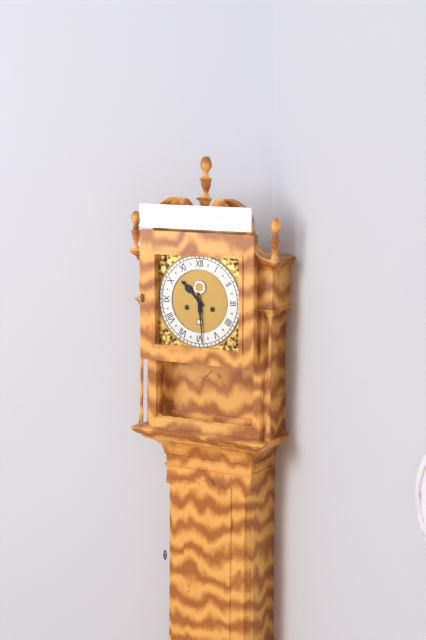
{"hour": 10, "minute": 29}
